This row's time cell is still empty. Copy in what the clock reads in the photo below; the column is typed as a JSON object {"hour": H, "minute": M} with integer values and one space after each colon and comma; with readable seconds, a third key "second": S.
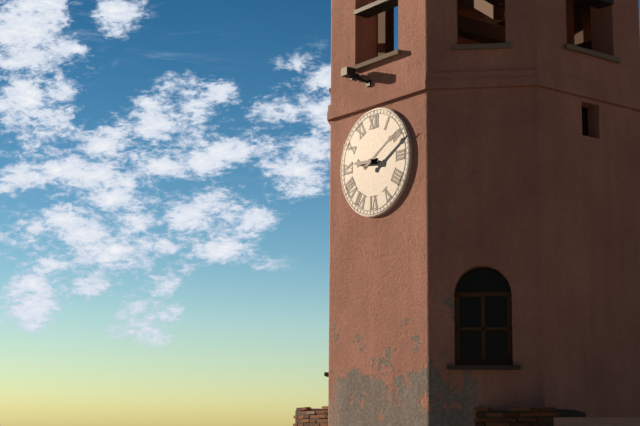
{"hour": 9, "minute": 10}
